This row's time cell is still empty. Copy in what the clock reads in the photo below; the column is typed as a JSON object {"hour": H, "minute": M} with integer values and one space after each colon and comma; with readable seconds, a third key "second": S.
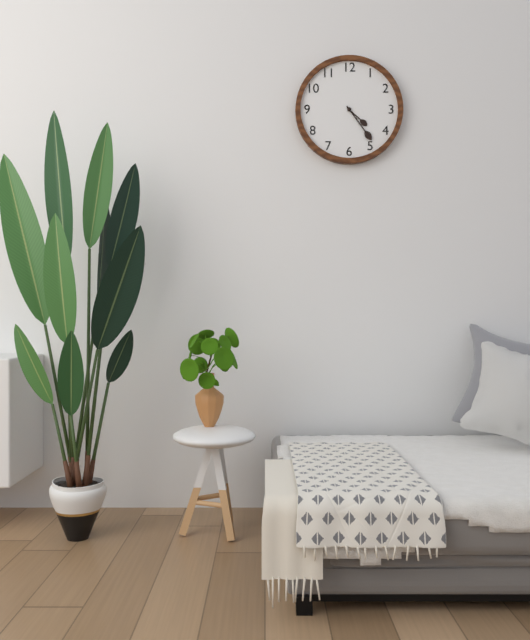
{"hour": 4, "minute": 24}
